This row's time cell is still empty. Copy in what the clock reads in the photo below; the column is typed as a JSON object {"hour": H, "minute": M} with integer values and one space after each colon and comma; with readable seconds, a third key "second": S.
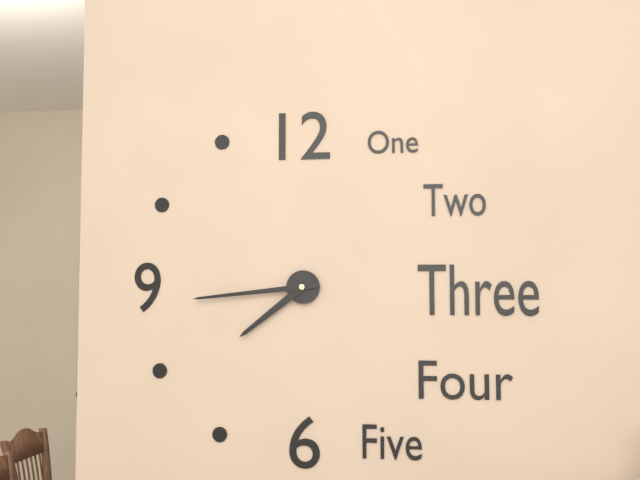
{"hour": 7, "minute": 44}
